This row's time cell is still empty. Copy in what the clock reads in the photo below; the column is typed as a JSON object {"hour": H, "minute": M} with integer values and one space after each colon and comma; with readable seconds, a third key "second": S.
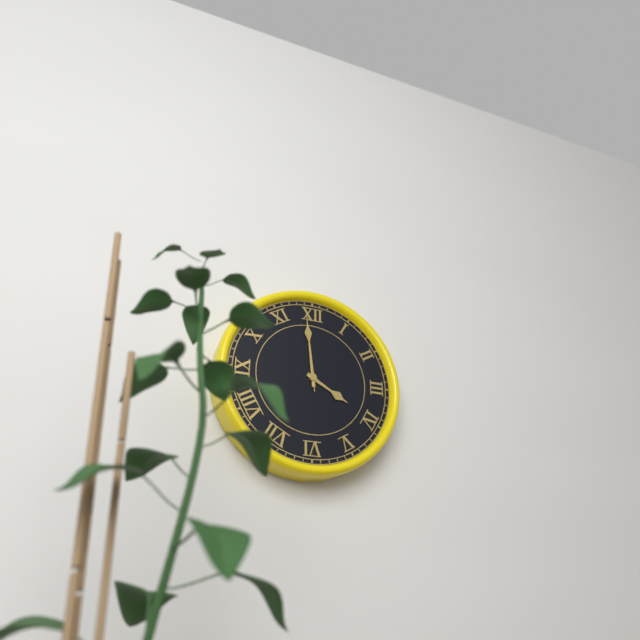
{"hour": 3, "minute": 59, "second": 59}
